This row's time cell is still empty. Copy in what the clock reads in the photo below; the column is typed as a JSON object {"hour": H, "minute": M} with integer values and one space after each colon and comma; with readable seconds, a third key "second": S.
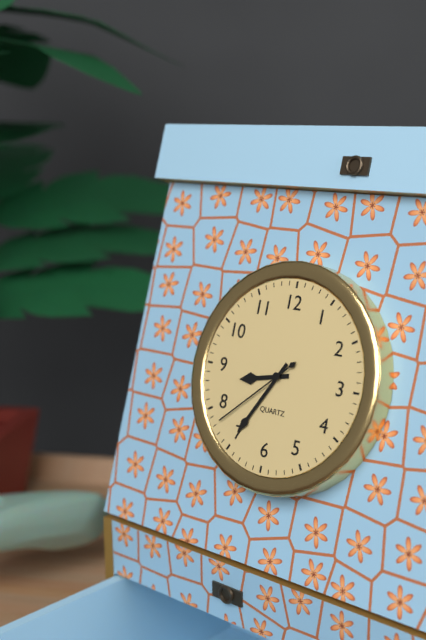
{"hour": 8, "minute": 35, "second": 38}
